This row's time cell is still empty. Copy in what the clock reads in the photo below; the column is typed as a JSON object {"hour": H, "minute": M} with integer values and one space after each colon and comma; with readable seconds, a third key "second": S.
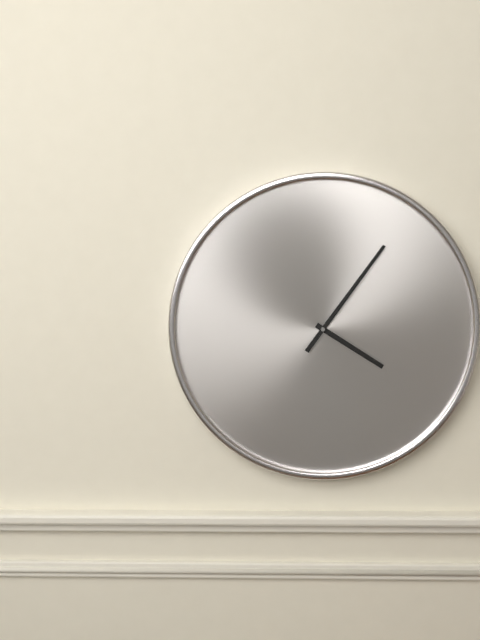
{"hour": 4, "minute": 6}
